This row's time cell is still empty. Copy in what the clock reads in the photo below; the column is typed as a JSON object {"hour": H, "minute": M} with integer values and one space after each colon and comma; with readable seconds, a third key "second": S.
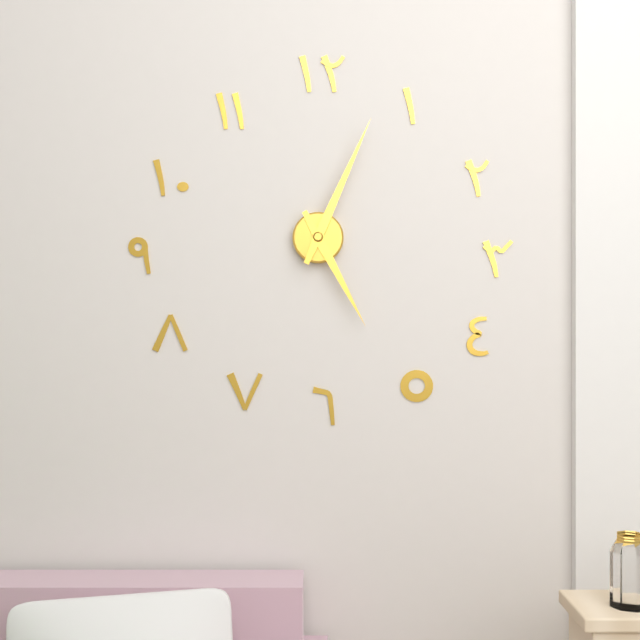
{"hour": 5, "minute": 4}
